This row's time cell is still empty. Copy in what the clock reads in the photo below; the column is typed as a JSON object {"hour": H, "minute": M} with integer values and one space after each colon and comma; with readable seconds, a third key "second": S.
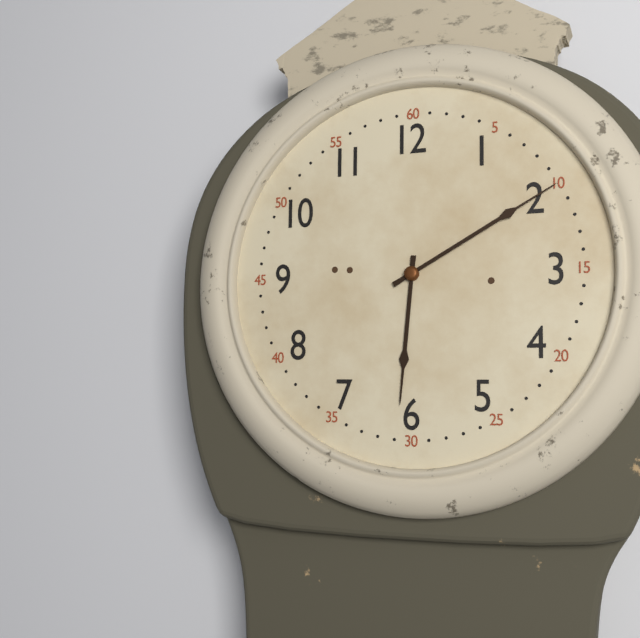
{"hour": 6, "minute": 10}
